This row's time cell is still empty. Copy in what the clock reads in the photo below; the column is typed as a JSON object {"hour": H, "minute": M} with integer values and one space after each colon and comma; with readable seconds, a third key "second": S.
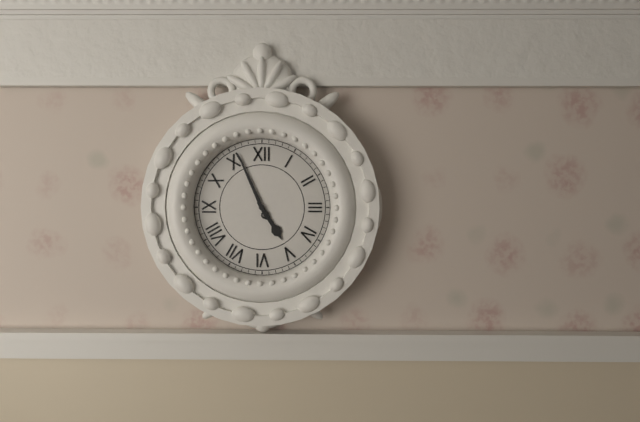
{"hour": 4, "minute": 56}
